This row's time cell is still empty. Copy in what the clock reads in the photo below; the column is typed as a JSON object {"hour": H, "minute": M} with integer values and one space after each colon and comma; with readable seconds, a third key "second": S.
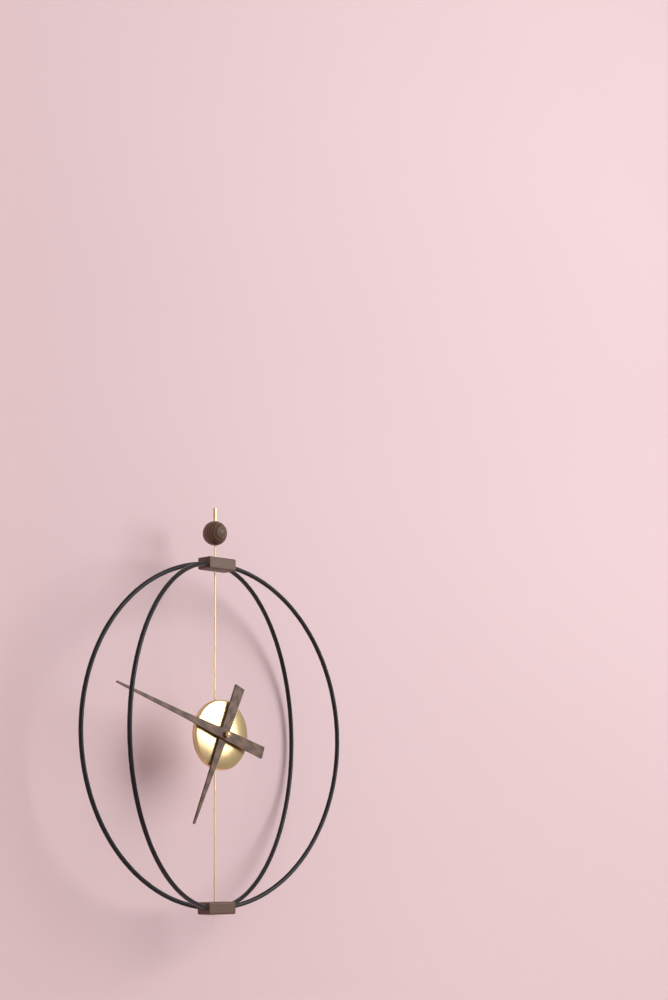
{"hour": 6, "minute": 48}
